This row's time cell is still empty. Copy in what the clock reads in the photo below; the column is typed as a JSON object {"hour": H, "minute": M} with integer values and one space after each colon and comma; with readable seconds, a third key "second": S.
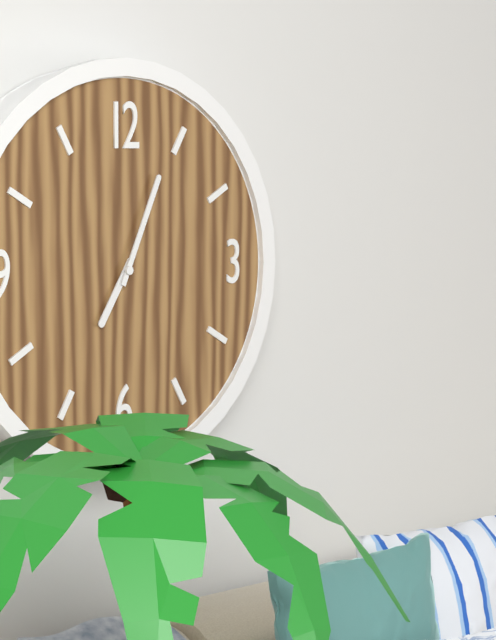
{"hour": 7, "minute": 4}
